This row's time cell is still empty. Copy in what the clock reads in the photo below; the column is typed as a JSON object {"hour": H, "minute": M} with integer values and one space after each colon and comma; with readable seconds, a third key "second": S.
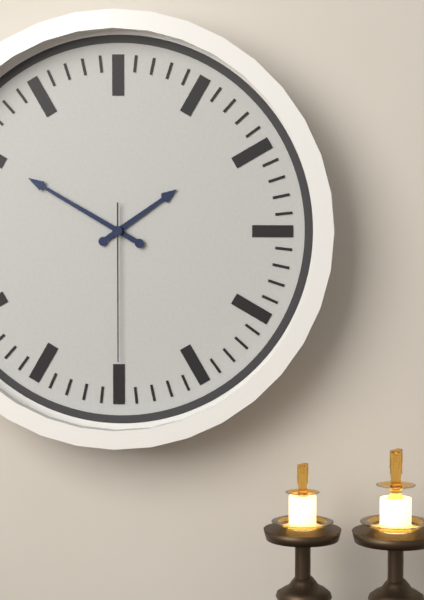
{"hour": 1, "minute": 50, "second": 30}
